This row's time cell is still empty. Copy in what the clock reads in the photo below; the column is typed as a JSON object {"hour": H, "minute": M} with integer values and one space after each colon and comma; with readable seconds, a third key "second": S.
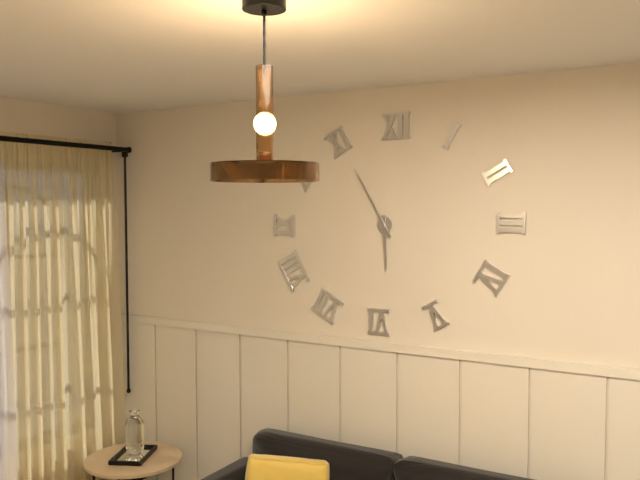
{"hour": 5, "minute": 55}
